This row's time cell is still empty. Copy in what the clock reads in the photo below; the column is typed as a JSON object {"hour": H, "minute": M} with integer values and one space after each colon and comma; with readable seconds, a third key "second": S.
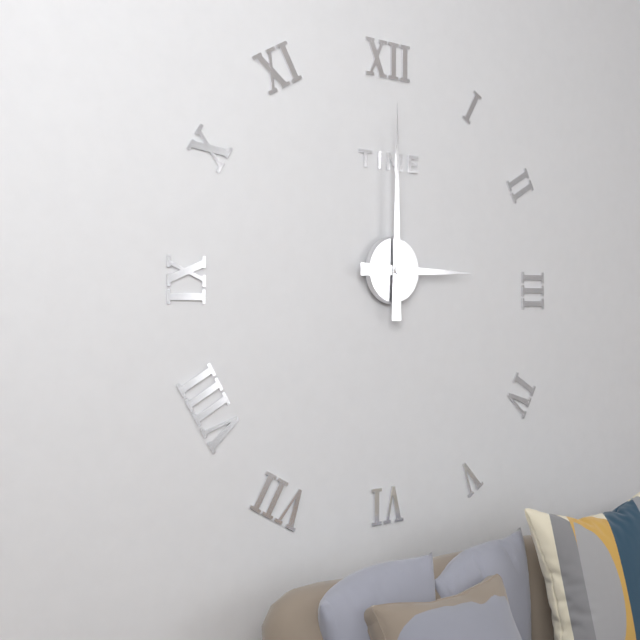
{"hour": 3, "minute": 0}
